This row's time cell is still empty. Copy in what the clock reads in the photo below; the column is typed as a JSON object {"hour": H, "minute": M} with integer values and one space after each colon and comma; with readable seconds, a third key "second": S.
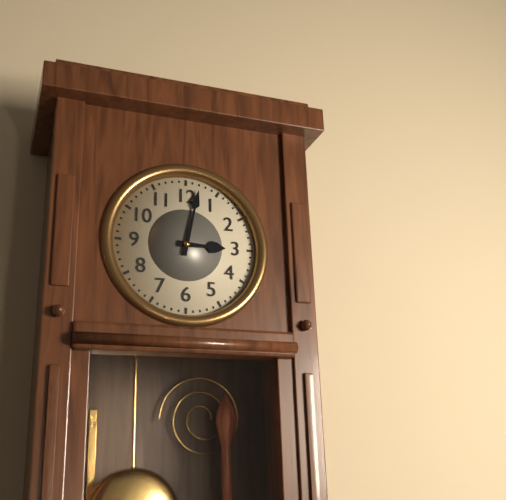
{"hour": 3, "minute": 2}
